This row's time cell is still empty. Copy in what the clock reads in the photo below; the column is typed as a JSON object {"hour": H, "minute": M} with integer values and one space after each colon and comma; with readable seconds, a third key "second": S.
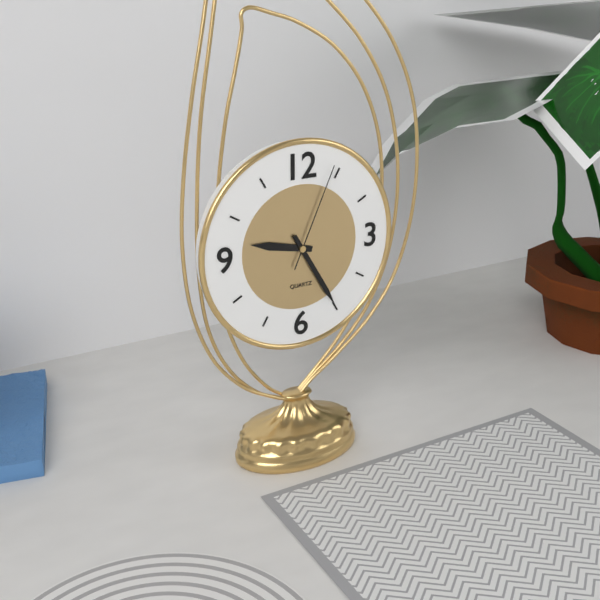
{"hour": 9, "minute": 25, "second": 4}
